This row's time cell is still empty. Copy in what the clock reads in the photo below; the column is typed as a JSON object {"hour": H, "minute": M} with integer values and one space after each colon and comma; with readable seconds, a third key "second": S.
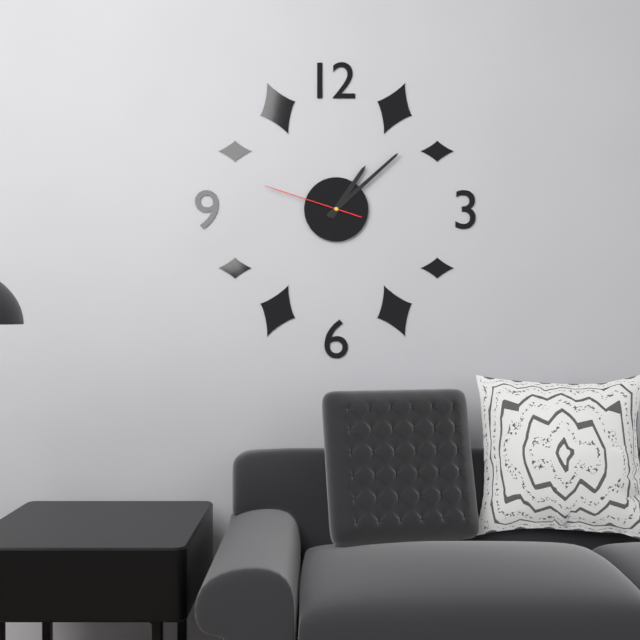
{"hour": 1, "minute": 8, "second": 48}
